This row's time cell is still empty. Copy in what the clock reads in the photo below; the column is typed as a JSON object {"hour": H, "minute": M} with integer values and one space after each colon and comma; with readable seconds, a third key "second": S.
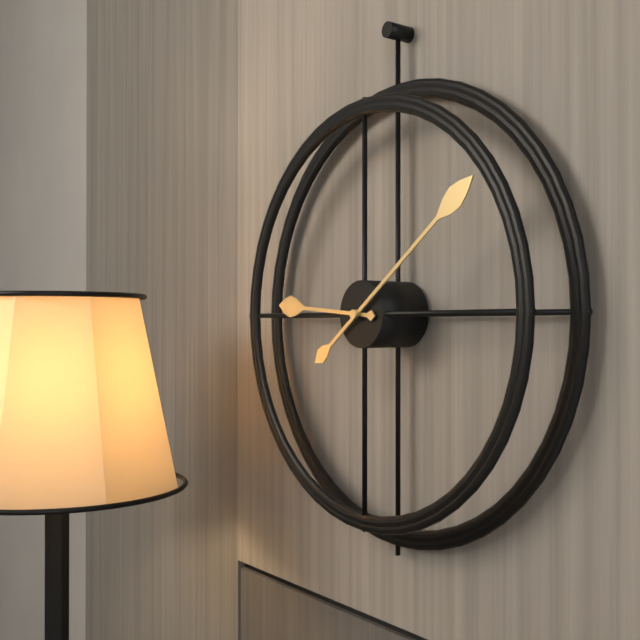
{"hour": 9, "minute": 9}
